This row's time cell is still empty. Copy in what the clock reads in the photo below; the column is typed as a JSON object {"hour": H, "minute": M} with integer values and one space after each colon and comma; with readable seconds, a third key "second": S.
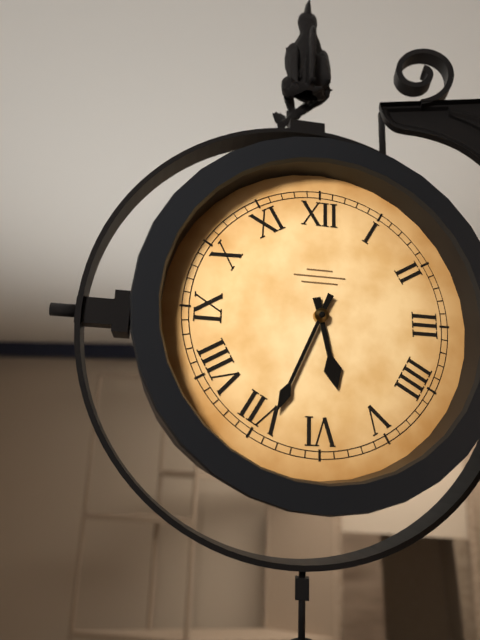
{"hour": 5, "minute": 34}
